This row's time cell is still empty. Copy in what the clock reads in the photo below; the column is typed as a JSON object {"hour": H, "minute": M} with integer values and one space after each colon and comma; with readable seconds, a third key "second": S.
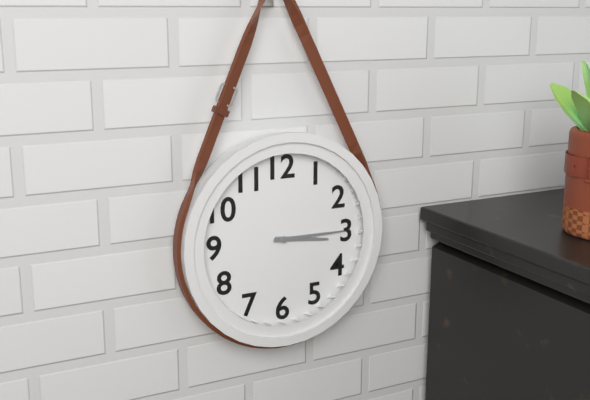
{"hour": 3, "minute": 15}
